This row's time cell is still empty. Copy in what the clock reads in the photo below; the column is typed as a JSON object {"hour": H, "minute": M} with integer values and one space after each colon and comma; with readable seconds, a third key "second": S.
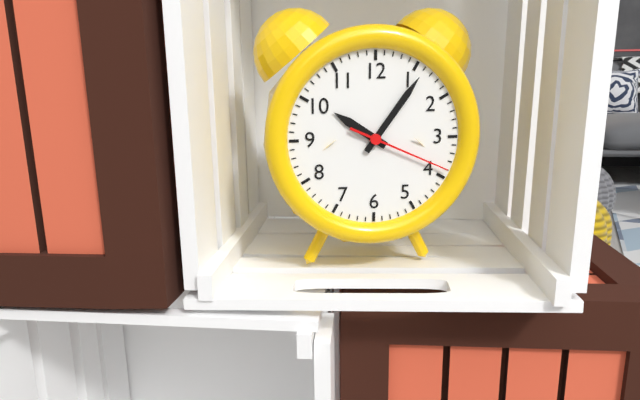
{"hour": 10, "minute": 6, "second": 19}
